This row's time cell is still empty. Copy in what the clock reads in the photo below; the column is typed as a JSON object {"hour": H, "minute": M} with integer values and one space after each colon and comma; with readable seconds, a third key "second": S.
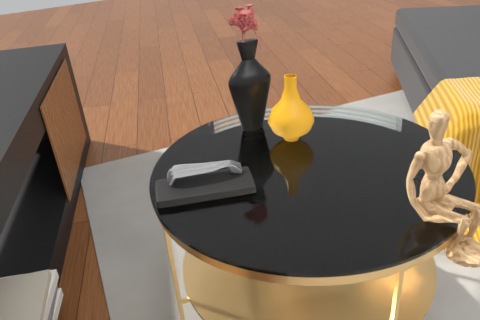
{"hour": 2, "minute": 18}
